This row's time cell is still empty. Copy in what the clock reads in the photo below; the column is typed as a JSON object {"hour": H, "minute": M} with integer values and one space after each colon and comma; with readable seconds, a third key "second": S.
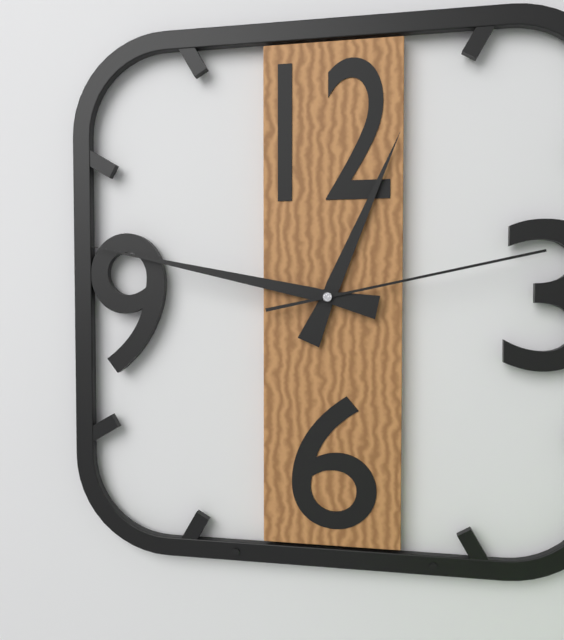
{"hour": 12, "minute": 47, "second": 13}
